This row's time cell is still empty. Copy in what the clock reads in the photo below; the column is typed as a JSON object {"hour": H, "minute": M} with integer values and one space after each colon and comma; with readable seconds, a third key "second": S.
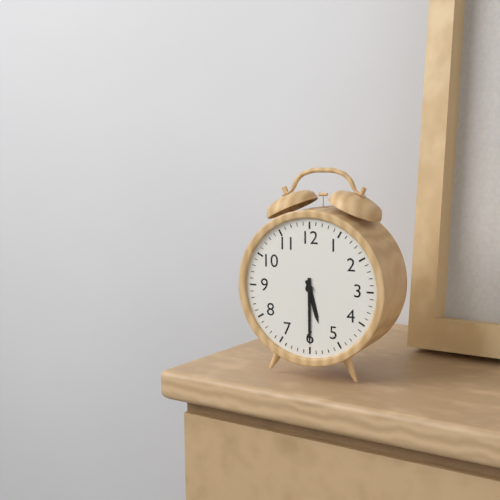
{"hour": 5, "minute": 30}
